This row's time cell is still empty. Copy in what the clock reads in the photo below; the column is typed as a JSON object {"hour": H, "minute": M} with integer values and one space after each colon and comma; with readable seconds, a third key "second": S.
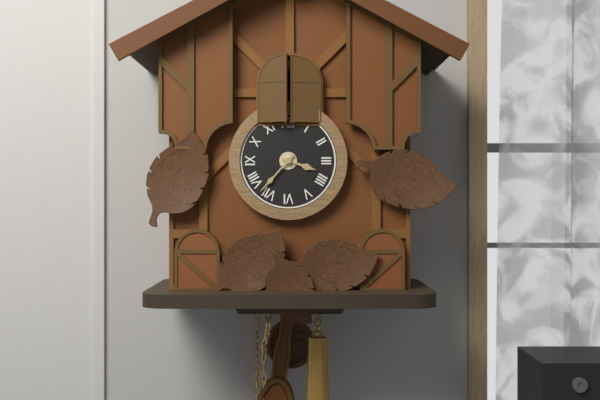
{"hour": 3, "minute": 37}
